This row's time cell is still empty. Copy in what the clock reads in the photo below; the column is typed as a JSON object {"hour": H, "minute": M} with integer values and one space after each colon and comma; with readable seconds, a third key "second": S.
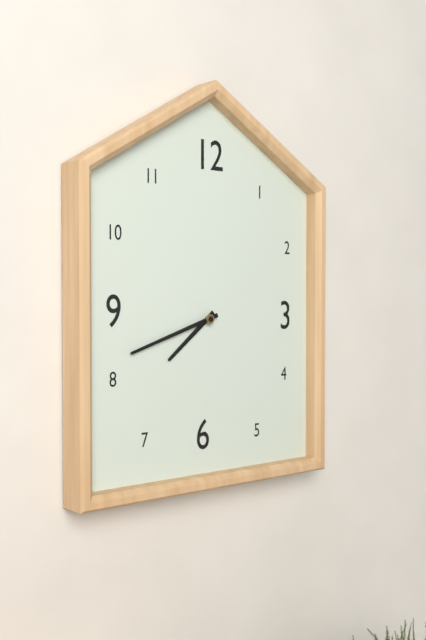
{"hour": 7, "minute": 42}
